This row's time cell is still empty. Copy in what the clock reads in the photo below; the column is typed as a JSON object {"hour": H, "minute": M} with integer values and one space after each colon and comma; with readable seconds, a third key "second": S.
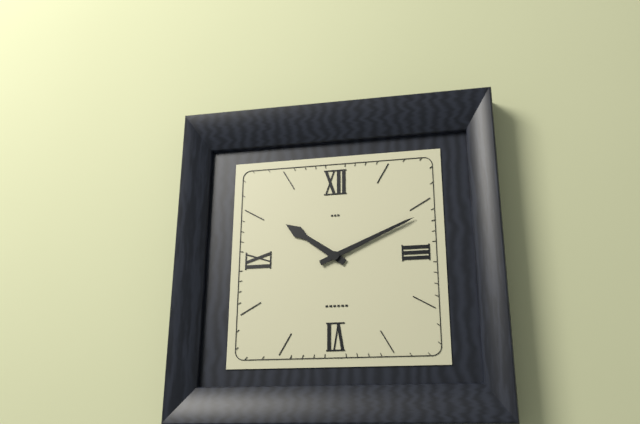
{"hour": 10, "minute": 11}
